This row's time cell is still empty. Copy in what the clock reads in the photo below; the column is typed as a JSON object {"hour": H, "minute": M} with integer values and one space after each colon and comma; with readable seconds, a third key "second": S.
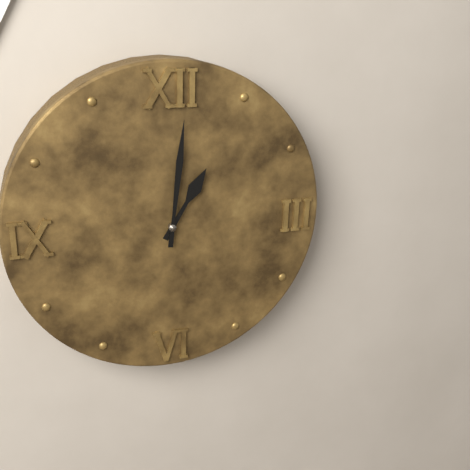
{"hour": 1, "minute": 1}
